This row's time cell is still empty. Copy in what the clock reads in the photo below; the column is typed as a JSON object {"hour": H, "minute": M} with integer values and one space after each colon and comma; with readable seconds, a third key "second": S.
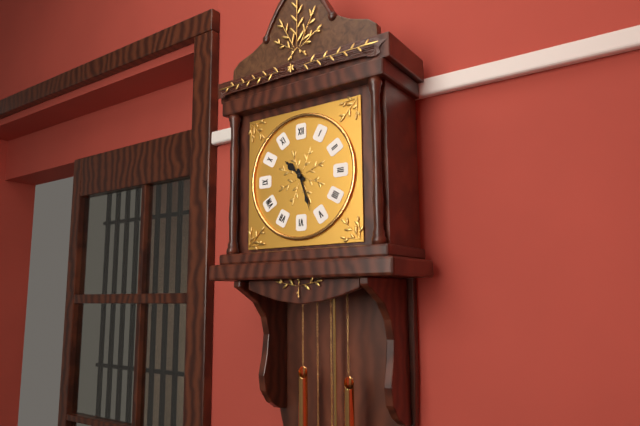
{"hour": 10, "minute": 27}
